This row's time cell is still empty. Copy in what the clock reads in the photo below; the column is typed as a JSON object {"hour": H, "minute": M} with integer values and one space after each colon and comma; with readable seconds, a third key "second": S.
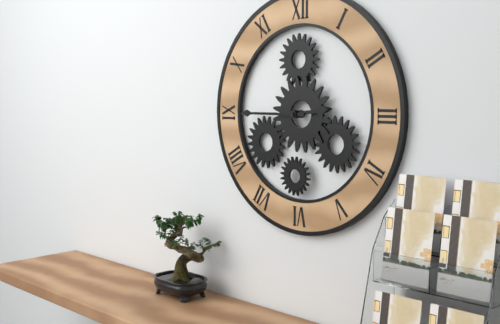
{"hour": 2, "minute": 45}
